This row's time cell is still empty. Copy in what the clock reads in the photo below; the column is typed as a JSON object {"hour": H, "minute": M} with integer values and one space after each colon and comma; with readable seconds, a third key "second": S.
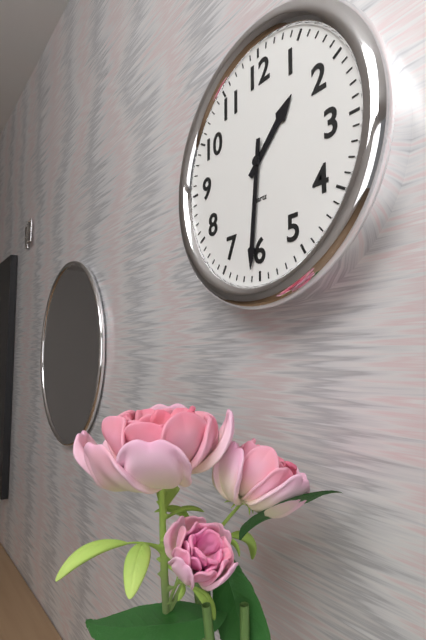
{"hour": 1, "minute": 31}
